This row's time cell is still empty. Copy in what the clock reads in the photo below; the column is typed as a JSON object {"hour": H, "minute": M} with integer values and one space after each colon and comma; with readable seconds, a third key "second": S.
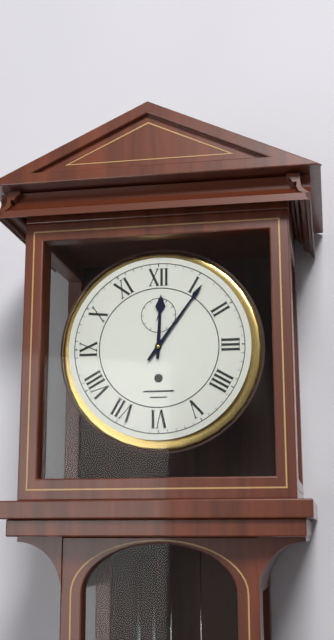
{"hour": 12, "minute": 6}
